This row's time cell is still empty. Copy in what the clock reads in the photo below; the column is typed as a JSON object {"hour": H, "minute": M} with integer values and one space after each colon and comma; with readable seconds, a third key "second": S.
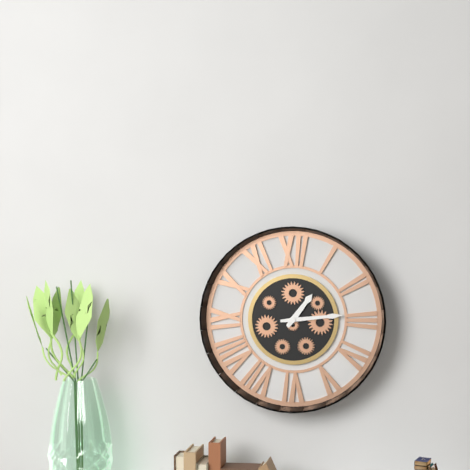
{"hour": 1, "minute": 14}
